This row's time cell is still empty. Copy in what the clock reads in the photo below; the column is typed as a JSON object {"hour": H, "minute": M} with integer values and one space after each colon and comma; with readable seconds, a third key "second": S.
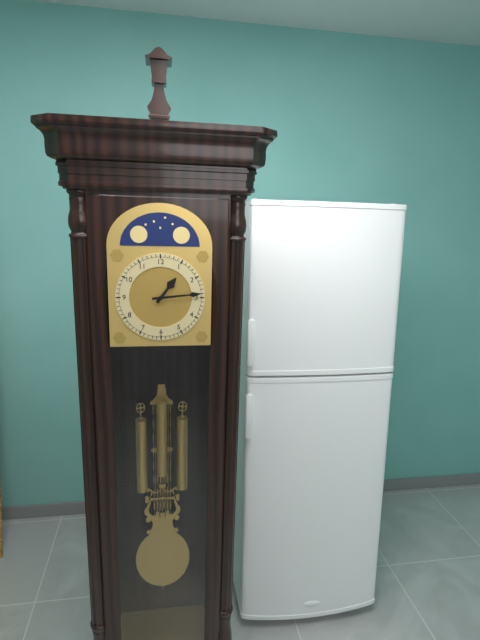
{"hour": 1, "minute": 14}
